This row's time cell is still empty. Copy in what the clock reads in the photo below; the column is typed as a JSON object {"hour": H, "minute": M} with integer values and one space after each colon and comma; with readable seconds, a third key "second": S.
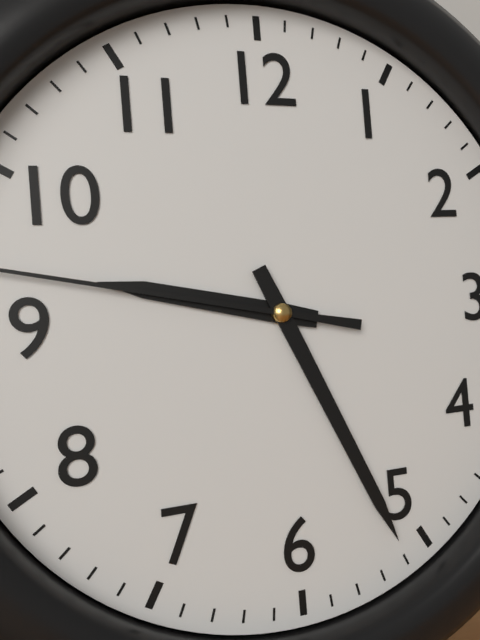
{"hour": 9, "minute": 26}
